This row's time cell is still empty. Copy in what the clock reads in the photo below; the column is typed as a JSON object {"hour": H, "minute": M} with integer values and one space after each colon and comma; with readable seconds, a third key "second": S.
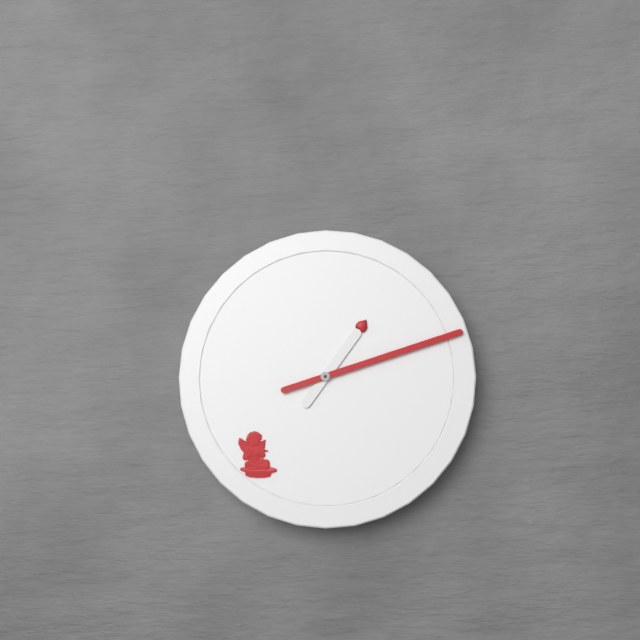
{"hour": 1, "minute": 12}
